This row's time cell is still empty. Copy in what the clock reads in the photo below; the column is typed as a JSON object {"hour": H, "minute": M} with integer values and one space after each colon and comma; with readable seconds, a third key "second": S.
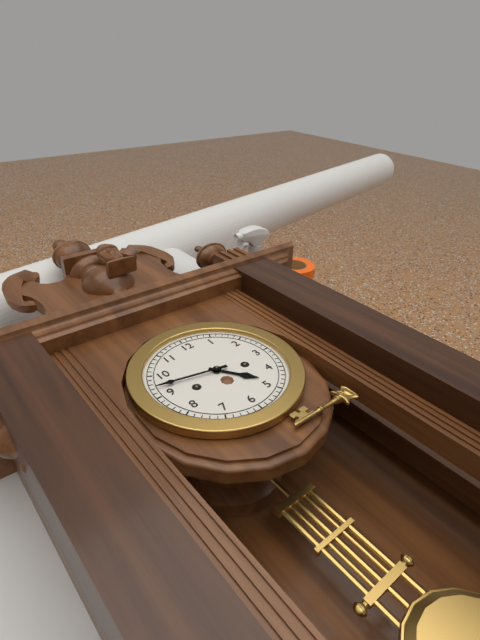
{"hour": 4, "minute": 47}
